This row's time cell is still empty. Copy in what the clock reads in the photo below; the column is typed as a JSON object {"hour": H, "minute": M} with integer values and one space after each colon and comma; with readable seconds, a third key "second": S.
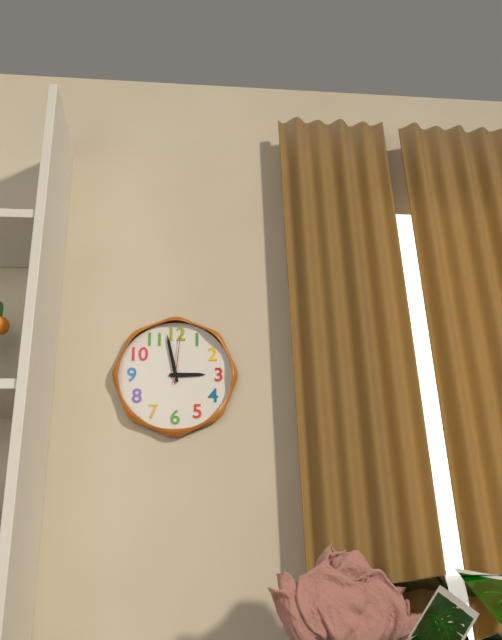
{"hour": 2, "minute": 58, "second": 1}
